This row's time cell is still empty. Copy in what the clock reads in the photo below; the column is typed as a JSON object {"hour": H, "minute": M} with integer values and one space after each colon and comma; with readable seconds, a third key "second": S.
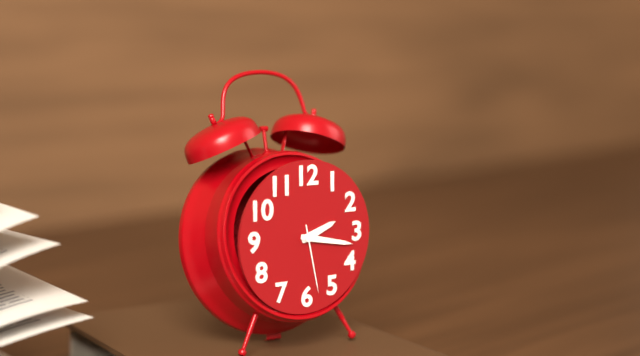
{"hour": 2, "minute": 17, "second": 28}
